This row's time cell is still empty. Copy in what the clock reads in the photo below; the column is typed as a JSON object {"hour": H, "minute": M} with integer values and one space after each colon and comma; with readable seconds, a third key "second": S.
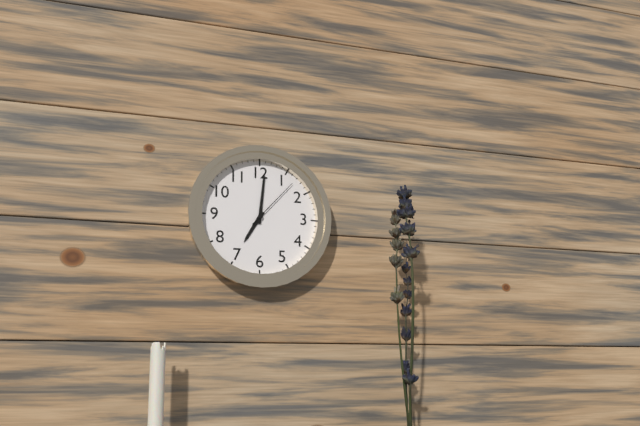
{"hour": 7, "minute": 1, "second": 7}
